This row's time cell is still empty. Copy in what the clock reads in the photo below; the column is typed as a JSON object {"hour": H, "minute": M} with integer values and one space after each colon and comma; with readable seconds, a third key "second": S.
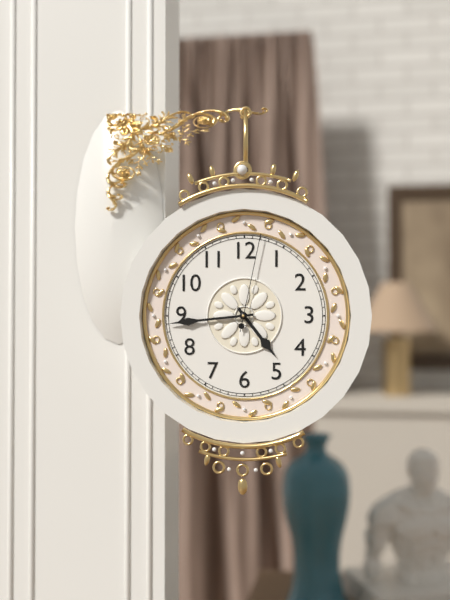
{"hour": 4, "minute": 44, "second": 2}
